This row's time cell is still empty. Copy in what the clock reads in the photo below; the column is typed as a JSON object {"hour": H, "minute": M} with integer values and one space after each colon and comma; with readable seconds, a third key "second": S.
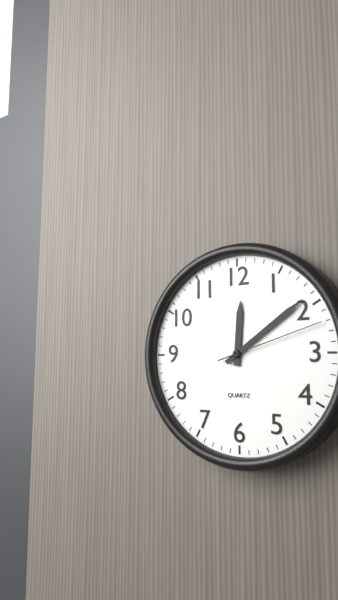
{"hour": 12, "minute": 9, "second": 12}
